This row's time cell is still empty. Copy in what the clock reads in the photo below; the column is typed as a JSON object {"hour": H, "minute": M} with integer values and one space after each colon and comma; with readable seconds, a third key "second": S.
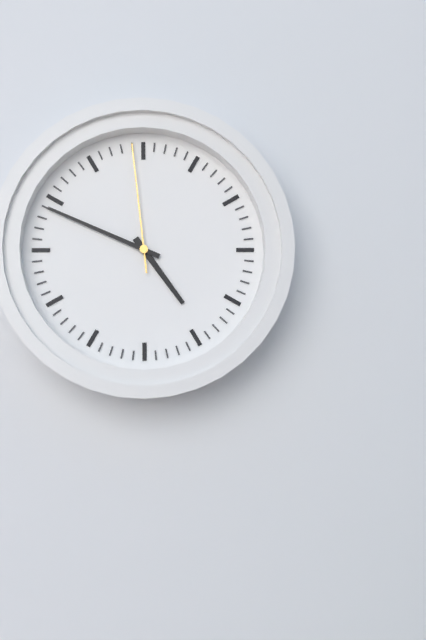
{"hour": 4, "minute": 49, "second": 59}
